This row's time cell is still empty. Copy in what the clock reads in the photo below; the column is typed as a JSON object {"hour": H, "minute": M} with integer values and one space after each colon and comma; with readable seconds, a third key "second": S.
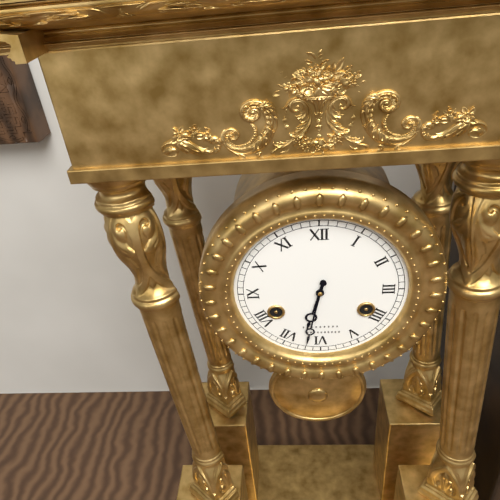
{"hour": 6, "minute": 32}
